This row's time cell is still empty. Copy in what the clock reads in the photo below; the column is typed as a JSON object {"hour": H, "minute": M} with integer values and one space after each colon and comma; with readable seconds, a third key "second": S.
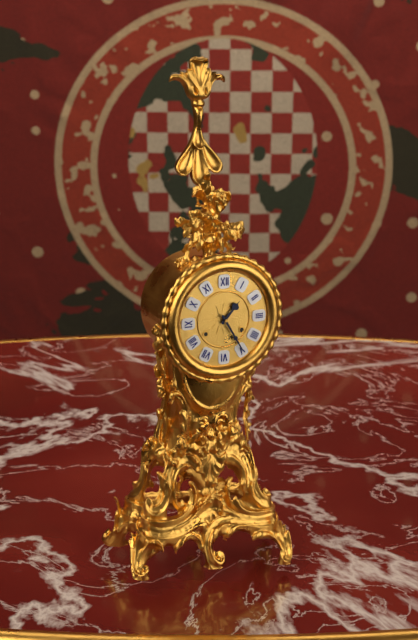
{"hour": 1, "minute": 25}
